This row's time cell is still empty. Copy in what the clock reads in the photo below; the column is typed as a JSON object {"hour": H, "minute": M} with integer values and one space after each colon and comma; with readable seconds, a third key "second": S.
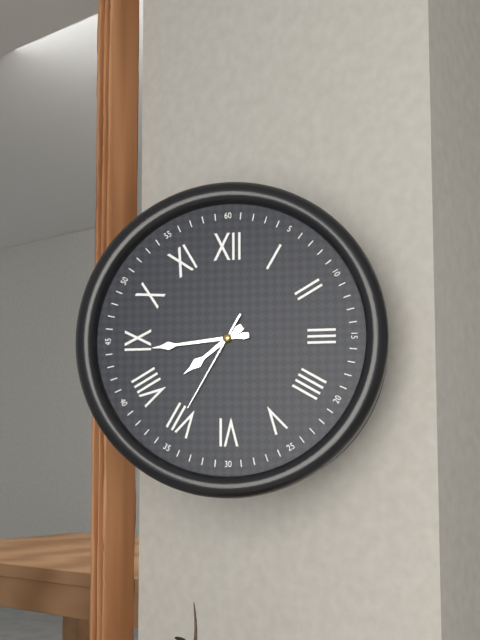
{"hour": 7, "minute": 44, "second": 35}
